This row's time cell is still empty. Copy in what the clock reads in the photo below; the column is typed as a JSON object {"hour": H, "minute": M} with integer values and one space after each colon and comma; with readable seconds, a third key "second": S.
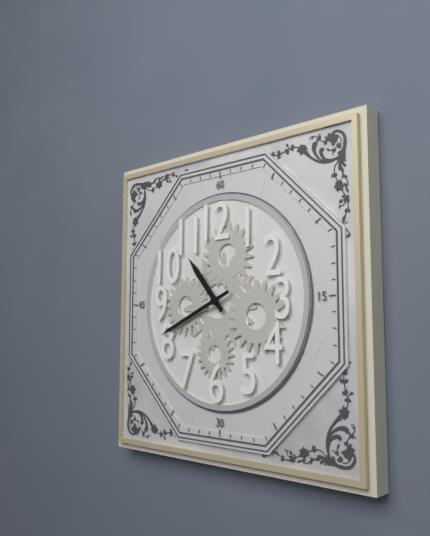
{"hour": 10, "minute": 41}
